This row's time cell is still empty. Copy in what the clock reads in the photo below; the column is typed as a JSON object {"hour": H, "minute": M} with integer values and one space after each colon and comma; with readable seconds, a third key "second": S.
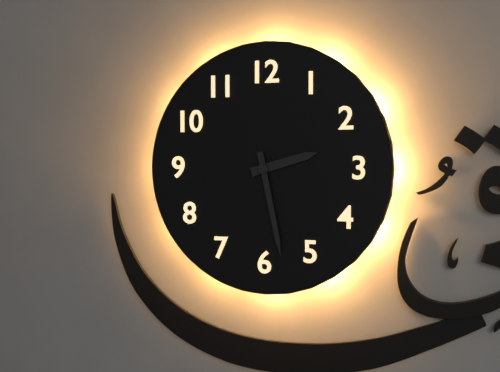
{"hour": 2, "minute": 28}
